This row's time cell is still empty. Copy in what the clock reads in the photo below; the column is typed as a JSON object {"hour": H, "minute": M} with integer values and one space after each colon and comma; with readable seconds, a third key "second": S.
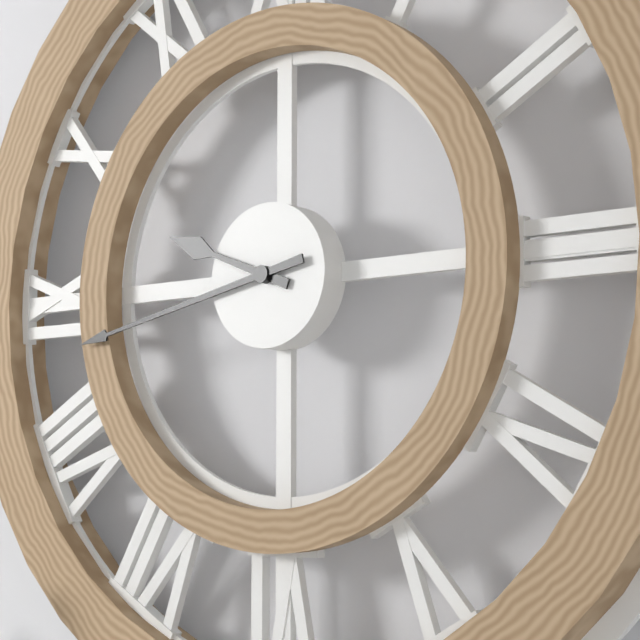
{"hour": 9, "minute": 43}
